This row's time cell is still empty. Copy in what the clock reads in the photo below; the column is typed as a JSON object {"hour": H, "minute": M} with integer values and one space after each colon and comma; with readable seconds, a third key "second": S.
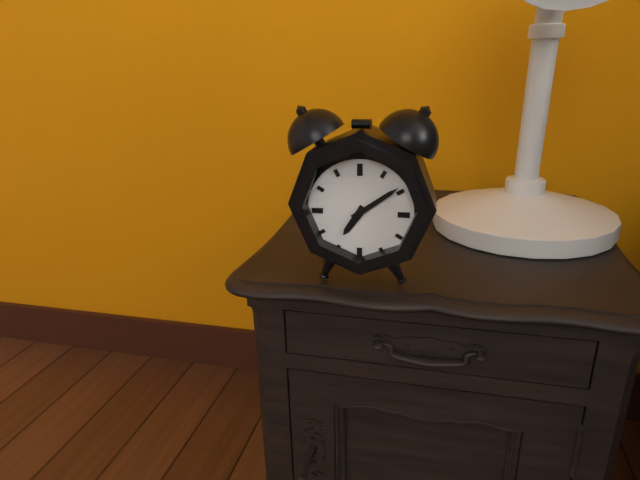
{"hour": 7, "minute": 9}
